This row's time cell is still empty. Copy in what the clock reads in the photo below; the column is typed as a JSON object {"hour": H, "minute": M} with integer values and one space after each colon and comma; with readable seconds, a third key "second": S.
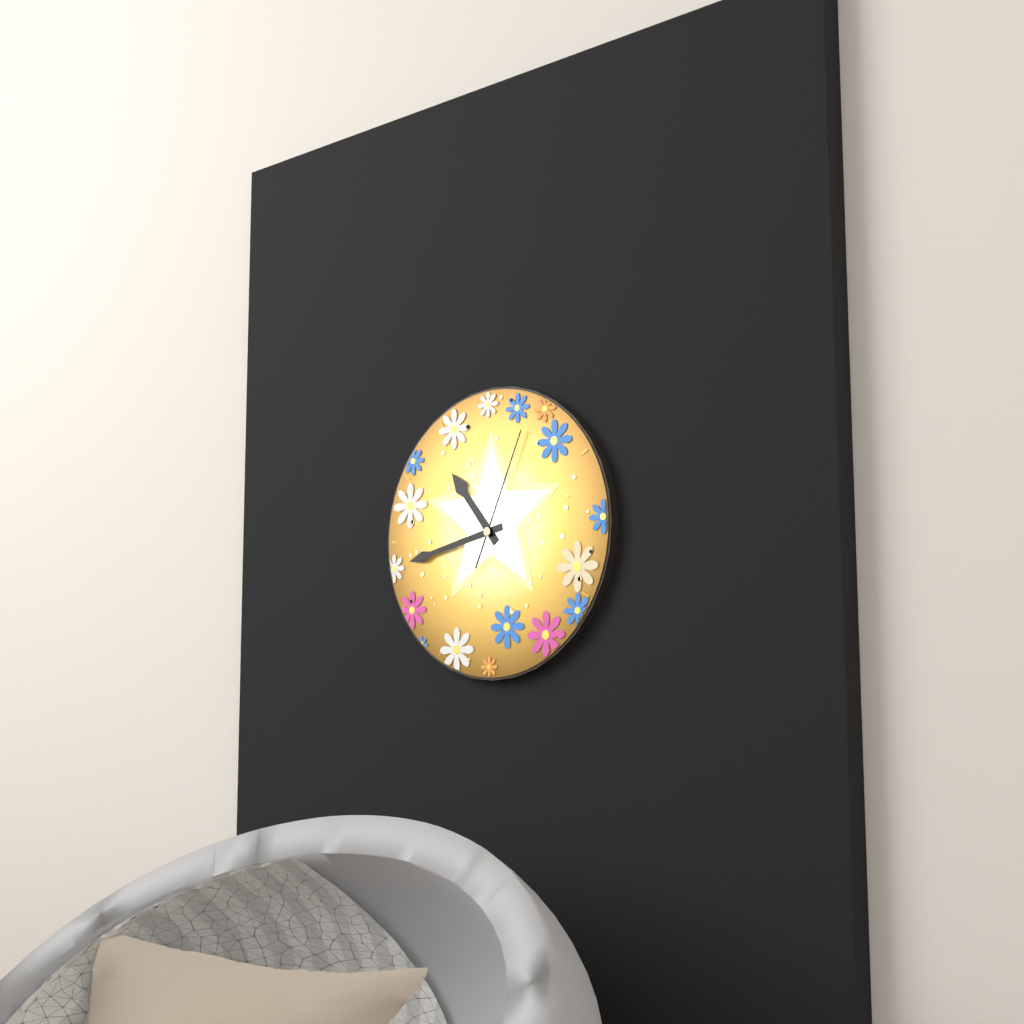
{"hour": 10, "minute": 43, "second": 4}
